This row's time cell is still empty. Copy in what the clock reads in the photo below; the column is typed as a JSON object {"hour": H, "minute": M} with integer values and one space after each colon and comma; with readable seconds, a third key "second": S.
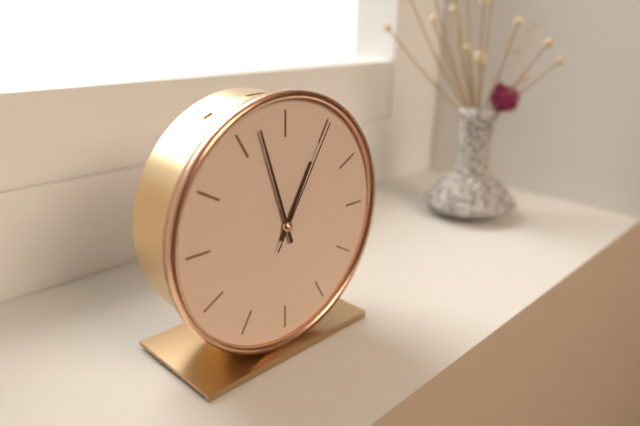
{"hour": 12, "minute": 57, "second": 5}
